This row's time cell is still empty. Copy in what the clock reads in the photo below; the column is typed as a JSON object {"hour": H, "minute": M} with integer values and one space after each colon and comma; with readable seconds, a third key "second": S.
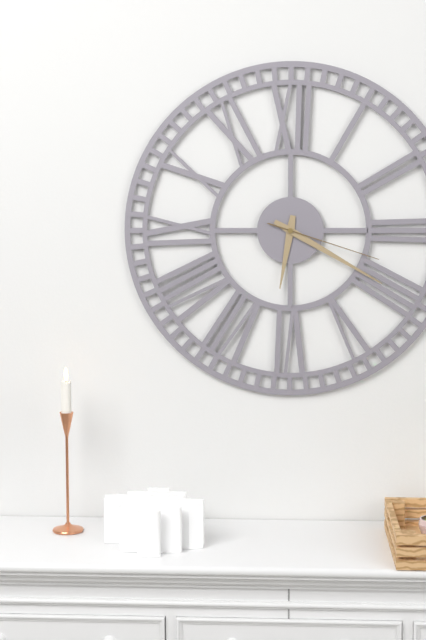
{"hour": 6, "minute": 20, "second": 18}
